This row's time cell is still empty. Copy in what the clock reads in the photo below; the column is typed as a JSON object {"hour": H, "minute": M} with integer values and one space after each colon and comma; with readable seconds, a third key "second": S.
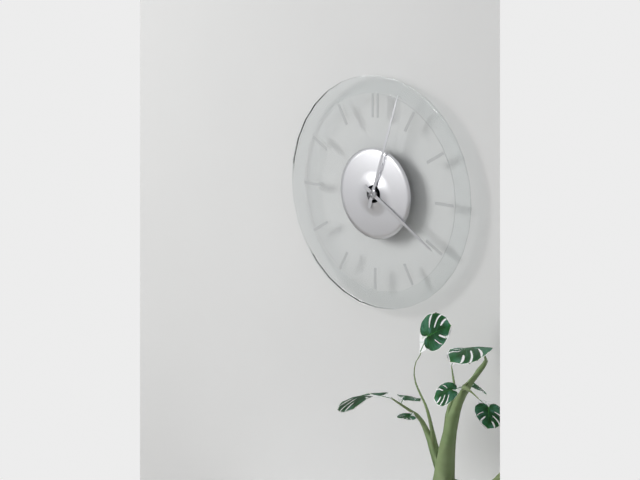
{"hour": 4, "minute": 3}
